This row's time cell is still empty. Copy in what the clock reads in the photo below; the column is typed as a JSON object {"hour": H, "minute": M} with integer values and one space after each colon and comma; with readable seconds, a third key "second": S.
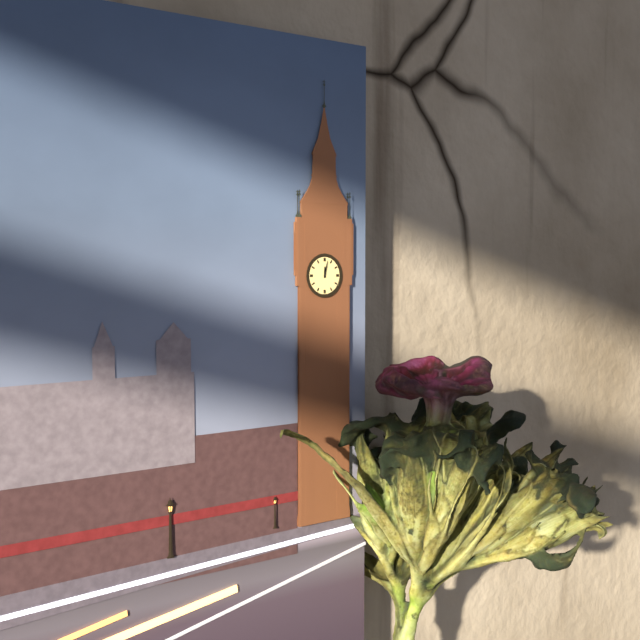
{"hour": 12, "minute": 2}
